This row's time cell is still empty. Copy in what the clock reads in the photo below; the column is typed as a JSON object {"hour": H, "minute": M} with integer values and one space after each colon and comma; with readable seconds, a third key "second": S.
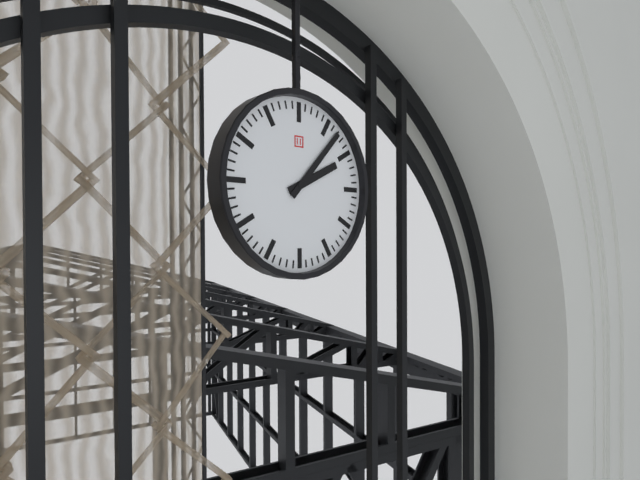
{"hour": 2, "minute": 7}
